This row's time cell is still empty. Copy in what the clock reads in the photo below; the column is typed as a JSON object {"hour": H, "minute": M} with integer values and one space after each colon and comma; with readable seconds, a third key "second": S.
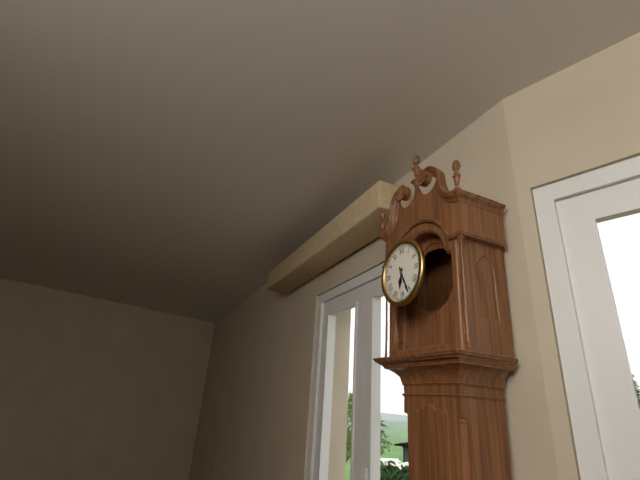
{"hour": 6, "minute": 26}
